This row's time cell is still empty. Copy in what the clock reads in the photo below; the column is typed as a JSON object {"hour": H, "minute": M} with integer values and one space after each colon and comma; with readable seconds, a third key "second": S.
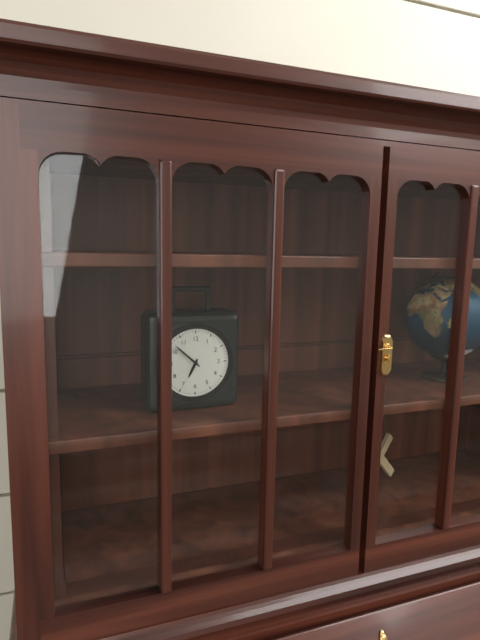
{"hour": 6, "minute": 52}
